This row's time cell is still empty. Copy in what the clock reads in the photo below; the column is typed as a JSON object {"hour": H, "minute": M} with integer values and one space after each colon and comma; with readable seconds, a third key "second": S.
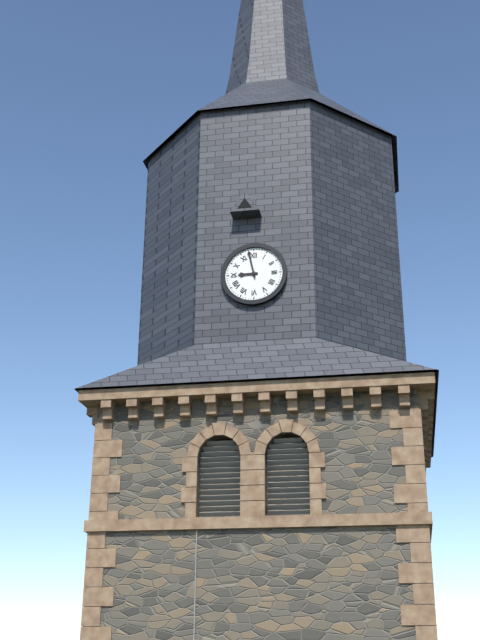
{"hour": 8, "minute": 58}
